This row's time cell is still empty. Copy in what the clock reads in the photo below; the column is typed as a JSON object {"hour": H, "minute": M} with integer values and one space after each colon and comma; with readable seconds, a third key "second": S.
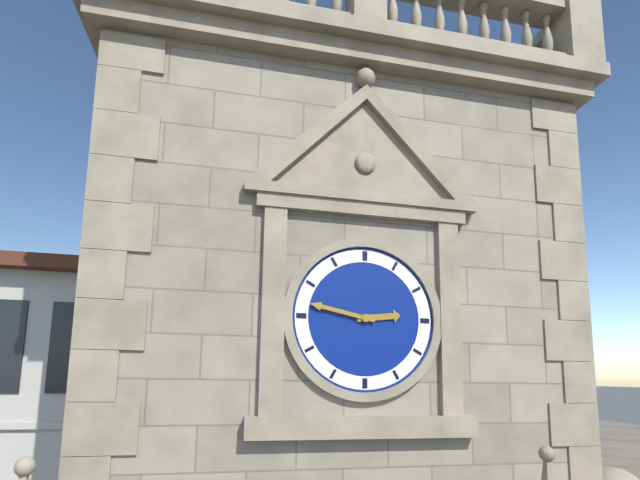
{"hour": 2, "minute": 47}
